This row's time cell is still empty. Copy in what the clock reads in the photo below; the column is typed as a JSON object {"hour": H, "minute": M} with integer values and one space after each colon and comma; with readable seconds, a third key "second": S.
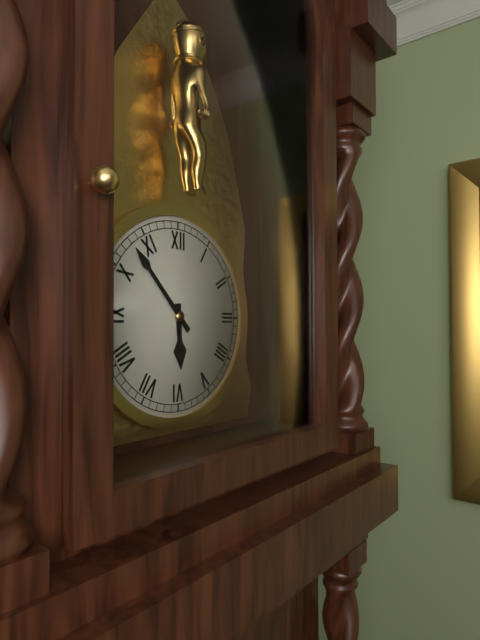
{"hour": 5, "minute": 53}
